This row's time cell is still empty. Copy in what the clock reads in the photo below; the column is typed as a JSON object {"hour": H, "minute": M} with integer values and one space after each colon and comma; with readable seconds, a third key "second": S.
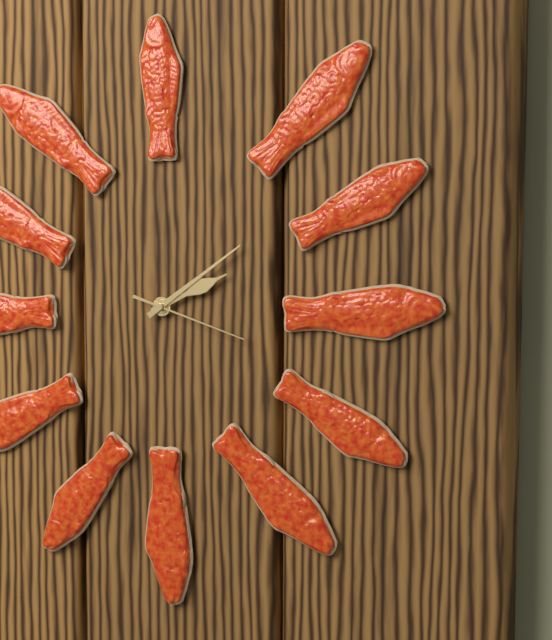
{"hour": 2, "minute": 9, "second": 18}
